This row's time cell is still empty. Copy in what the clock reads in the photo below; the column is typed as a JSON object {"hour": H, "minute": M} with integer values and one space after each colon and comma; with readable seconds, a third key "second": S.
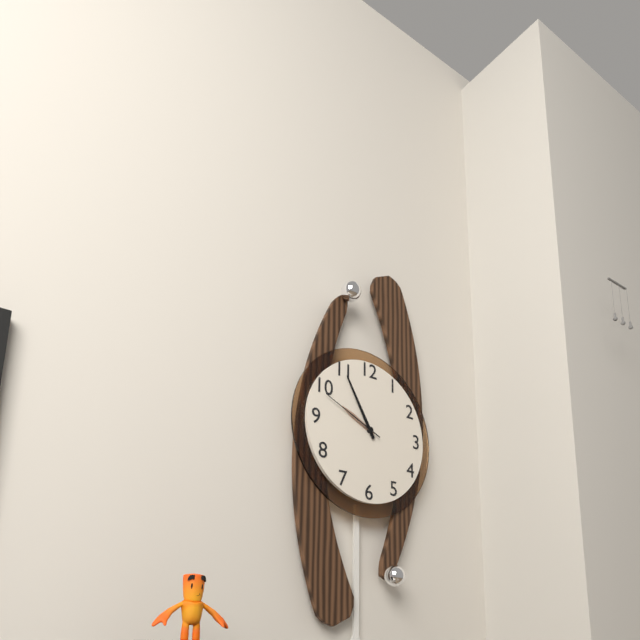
{"hour": 9, "minute": 55, "second": 49}
